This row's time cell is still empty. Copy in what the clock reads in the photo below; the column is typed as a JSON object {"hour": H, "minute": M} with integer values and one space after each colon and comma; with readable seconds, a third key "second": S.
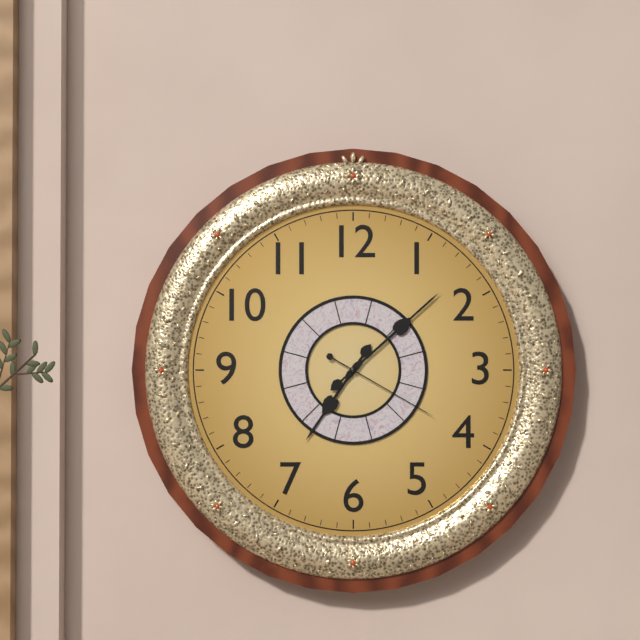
{"hour": 7, "minute": 8, "second": 20}
